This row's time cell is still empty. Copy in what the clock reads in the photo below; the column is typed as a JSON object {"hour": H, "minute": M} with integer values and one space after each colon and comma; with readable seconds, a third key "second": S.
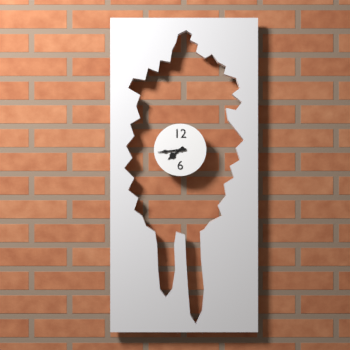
{"hour": 7, "minute": 44}
